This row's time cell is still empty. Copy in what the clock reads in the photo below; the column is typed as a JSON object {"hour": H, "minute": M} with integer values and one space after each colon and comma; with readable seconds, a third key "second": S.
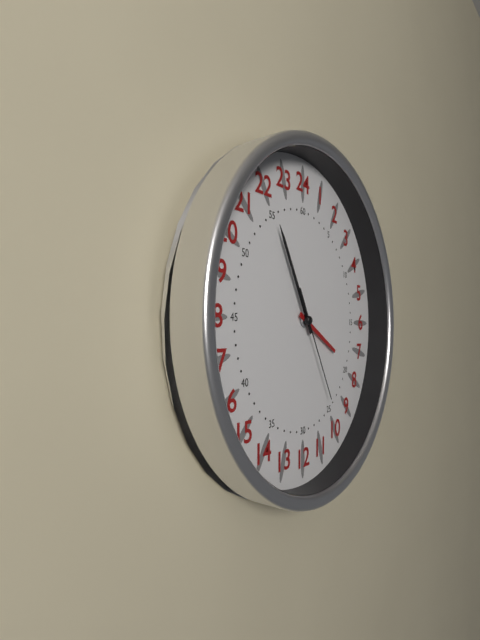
{"hour": 3, "minute": 55, "second": 25}
